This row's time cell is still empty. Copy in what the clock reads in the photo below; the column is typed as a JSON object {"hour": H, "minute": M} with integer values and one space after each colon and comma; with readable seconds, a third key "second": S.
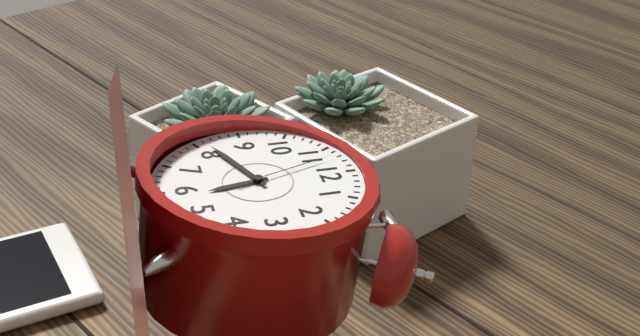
{"hour": 5, "minute": 41, "second": 57}
